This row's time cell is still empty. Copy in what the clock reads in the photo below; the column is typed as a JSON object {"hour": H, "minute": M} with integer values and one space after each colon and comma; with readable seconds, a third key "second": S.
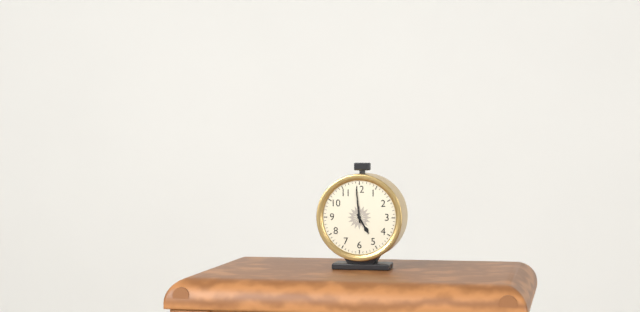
{"hour": 4, "minute": 59}
